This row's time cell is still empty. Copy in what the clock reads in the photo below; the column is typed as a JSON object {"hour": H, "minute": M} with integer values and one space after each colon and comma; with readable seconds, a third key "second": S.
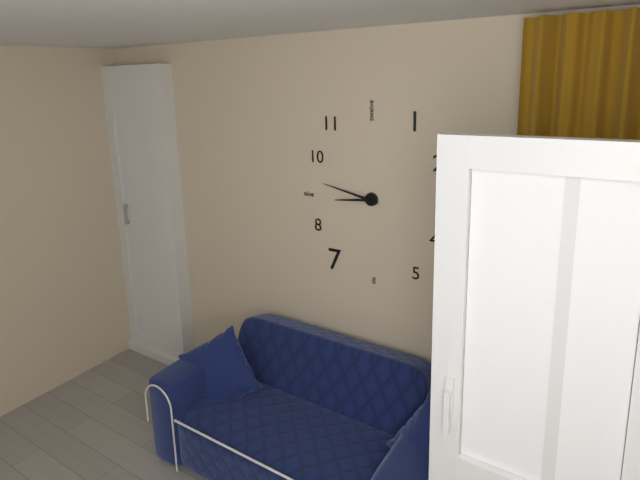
{"hour": 8, "minute": 47}
